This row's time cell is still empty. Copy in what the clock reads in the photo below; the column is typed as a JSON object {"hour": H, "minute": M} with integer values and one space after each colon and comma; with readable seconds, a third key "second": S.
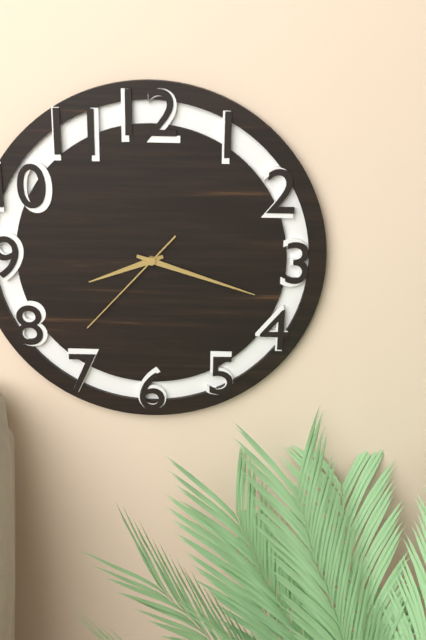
{"hour": 8, "minute": 18, "second": 37}
